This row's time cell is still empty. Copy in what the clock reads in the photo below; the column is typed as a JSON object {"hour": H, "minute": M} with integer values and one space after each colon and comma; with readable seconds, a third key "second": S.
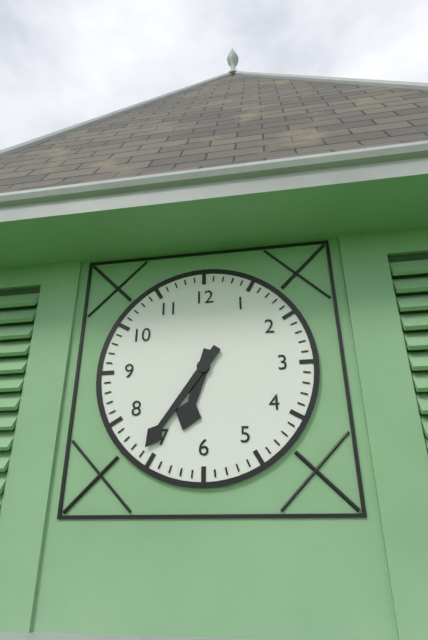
{"hour": 6, "minute": 36}
